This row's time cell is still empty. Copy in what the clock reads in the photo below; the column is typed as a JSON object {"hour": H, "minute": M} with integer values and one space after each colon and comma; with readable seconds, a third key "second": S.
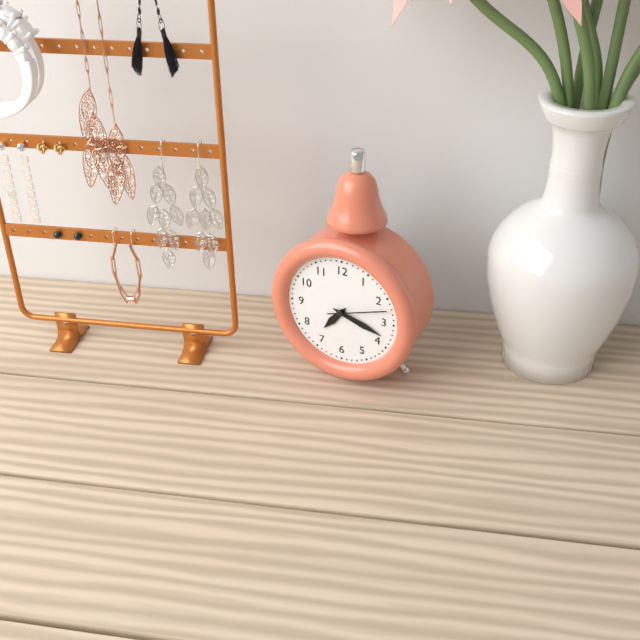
{"hour": 7, "minute": 18, "second": 12}
